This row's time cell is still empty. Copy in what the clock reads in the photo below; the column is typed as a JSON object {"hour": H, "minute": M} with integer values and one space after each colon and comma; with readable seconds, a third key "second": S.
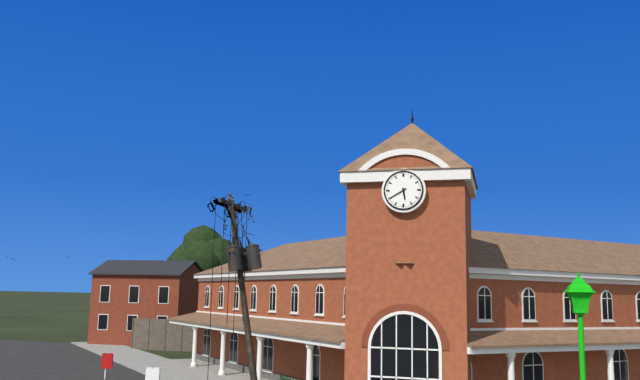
{"hour": 5, "minute": 40}
